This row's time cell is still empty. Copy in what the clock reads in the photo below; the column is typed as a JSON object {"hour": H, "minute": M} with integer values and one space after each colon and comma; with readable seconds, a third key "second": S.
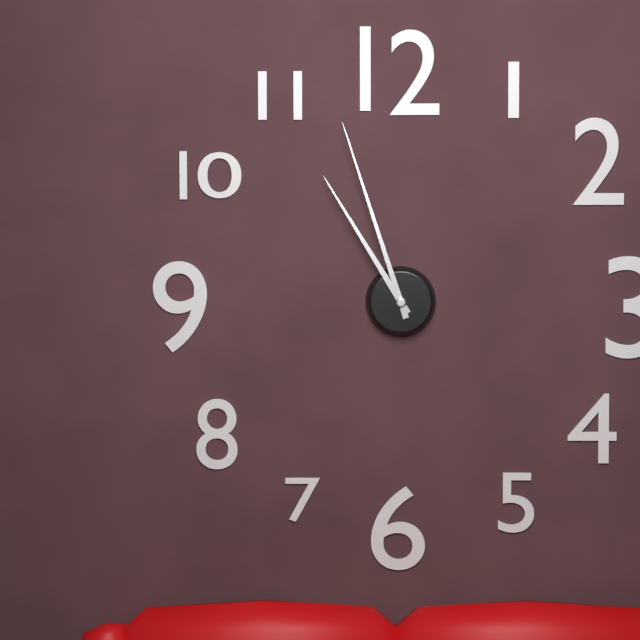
{"hour": 10, "minute": 57}
